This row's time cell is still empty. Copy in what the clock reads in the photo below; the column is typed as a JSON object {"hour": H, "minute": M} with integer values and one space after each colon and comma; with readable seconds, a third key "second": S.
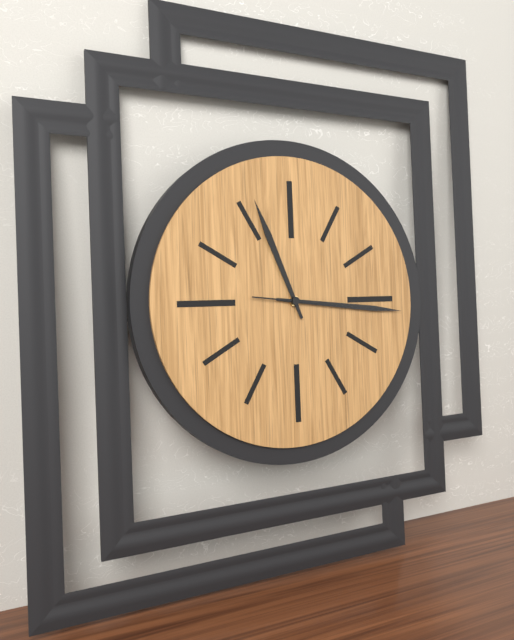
{"hour": 11, "minute": 16, "second": 16}
